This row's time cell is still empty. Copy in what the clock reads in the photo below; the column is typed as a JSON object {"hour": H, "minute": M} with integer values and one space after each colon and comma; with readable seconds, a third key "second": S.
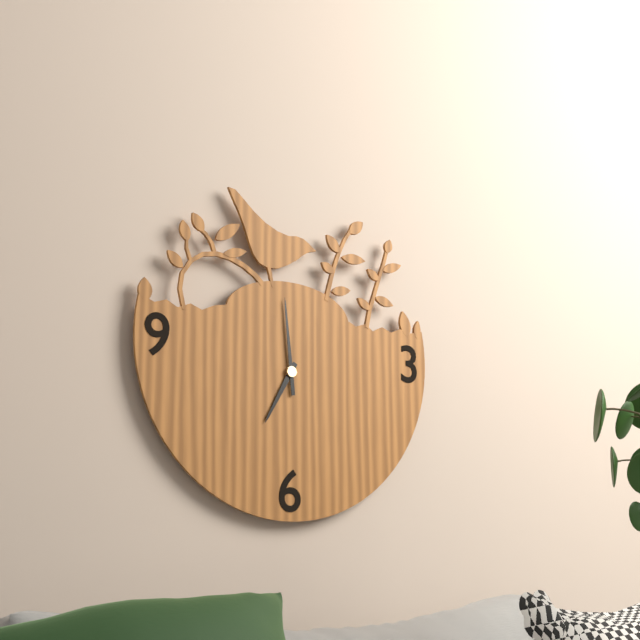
{"hour": 6, "minute": 59}
